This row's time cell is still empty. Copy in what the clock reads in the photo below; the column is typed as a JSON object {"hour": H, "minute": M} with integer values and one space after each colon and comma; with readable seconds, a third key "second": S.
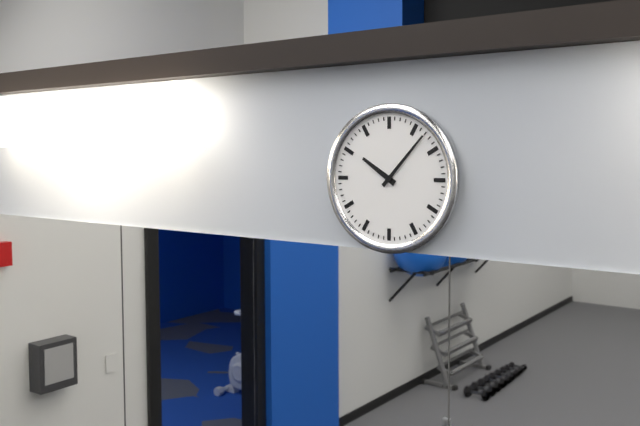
{"hour": 10, "minute": 7}
